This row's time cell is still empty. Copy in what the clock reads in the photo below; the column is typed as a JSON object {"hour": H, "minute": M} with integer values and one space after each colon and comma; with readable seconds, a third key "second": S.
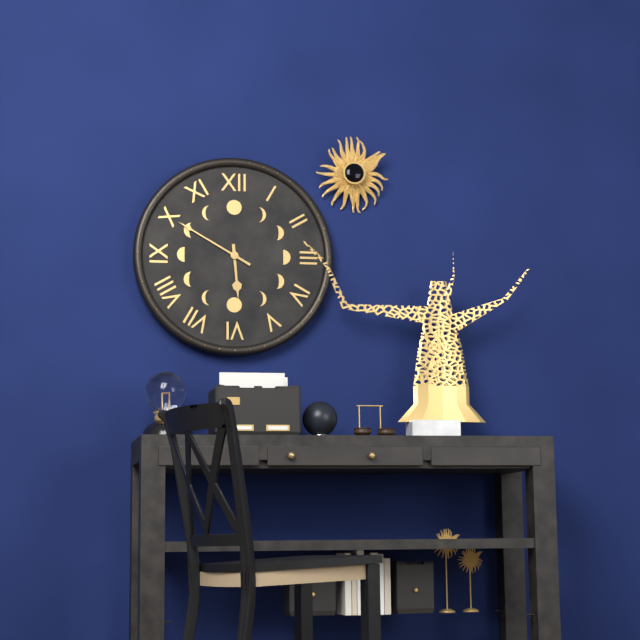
{"hour": 5, "minute": 50}
